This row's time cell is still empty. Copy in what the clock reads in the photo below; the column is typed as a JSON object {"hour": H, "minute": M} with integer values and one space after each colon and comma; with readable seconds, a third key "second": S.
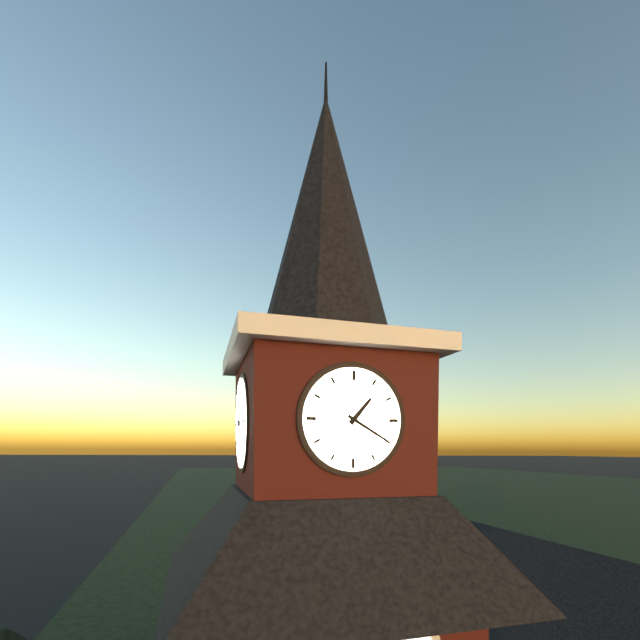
{"hour": 1, "minute": 20}
